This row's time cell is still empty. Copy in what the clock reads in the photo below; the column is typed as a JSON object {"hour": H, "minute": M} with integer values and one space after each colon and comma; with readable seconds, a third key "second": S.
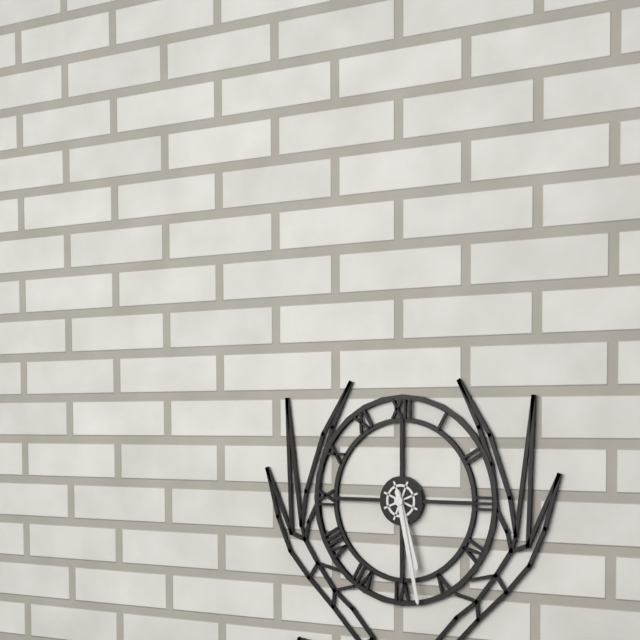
{"hour": 5, "minute": 28}
